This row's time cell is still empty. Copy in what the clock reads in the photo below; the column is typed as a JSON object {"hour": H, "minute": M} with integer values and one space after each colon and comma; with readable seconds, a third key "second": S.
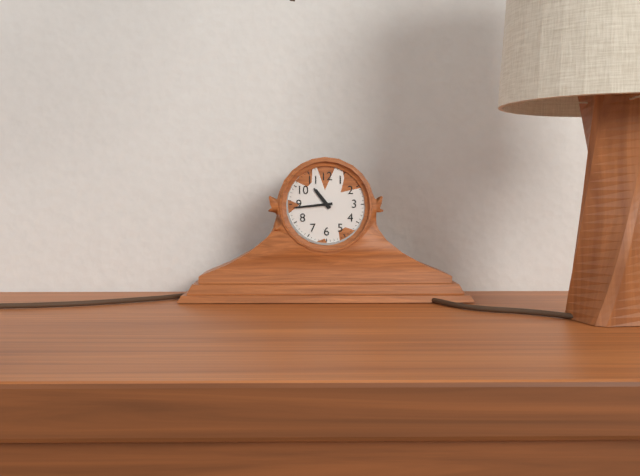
{"hour": 10, "minute": 44}
